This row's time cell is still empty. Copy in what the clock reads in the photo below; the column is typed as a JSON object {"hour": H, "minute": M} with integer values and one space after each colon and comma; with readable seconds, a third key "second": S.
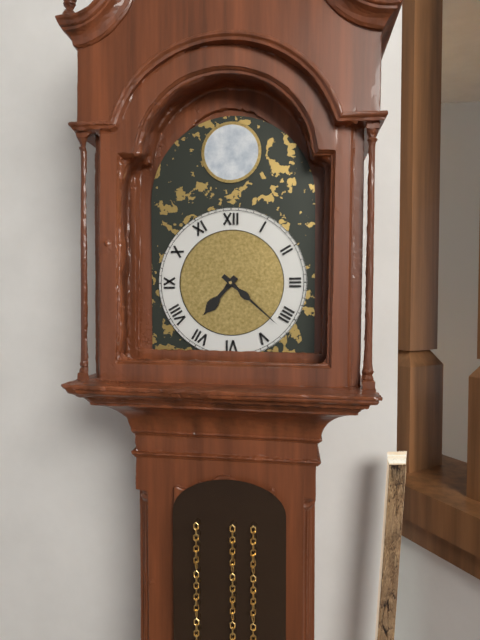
{"hour": 7, "minute": 22}
